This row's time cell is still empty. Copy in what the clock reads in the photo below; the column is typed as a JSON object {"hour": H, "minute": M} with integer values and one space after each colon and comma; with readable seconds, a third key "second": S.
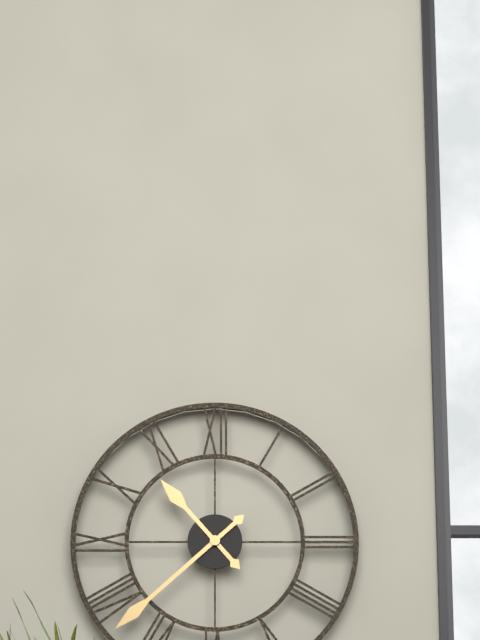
{"hour": 10, "minute": 38}
